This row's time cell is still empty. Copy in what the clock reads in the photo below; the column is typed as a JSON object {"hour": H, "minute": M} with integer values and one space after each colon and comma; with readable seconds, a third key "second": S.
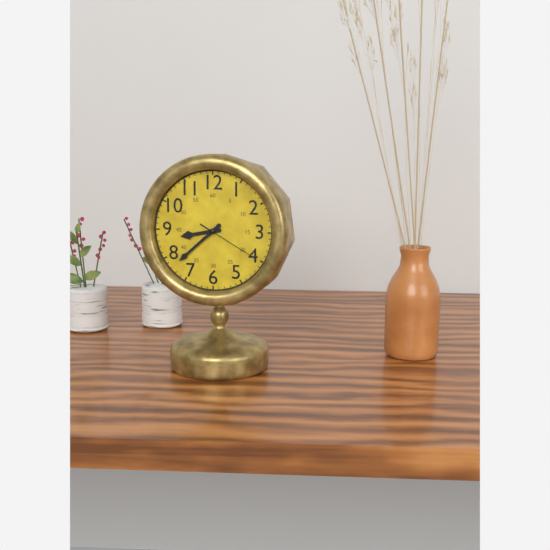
{"hour": 8, "minute": 38, "second": 20}
